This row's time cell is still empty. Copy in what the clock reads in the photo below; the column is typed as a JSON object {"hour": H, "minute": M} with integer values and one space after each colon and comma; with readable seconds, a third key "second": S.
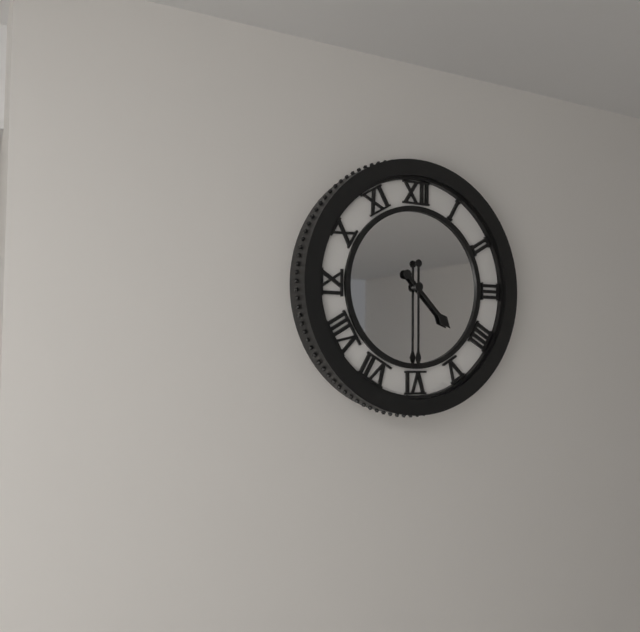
{"hour": 4, "minute": 30}
